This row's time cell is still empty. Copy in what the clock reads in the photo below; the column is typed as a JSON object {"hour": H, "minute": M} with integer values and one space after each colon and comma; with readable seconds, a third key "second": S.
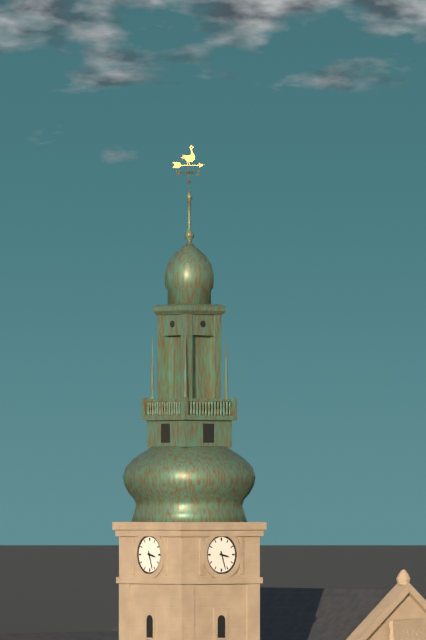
{"hour": 3, "minute": 27}
